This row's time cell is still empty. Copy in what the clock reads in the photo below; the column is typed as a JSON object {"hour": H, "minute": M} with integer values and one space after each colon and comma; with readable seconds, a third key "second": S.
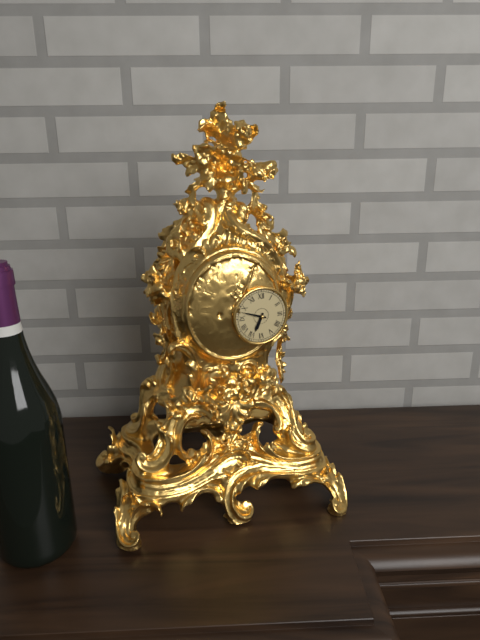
{"hour": 6, "minute": 48}
